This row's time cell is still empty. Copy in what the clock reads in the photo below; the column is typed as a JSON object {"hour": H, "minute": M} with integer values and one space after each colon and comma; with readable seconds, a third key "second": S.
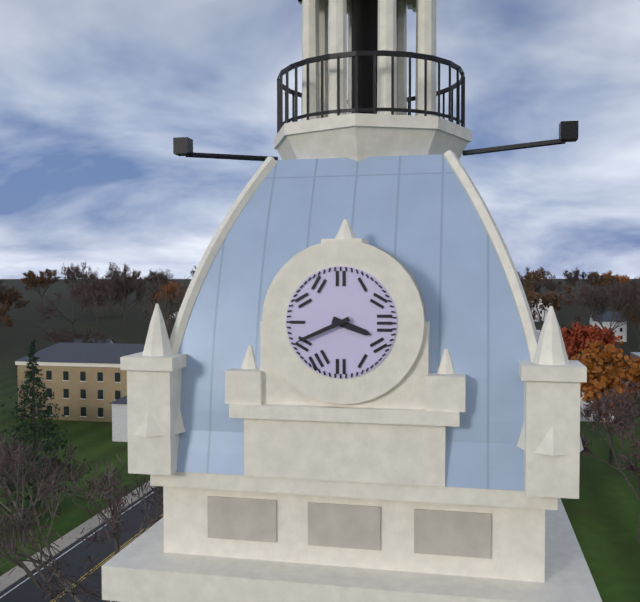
{"hour": 3, "minute": 41}
